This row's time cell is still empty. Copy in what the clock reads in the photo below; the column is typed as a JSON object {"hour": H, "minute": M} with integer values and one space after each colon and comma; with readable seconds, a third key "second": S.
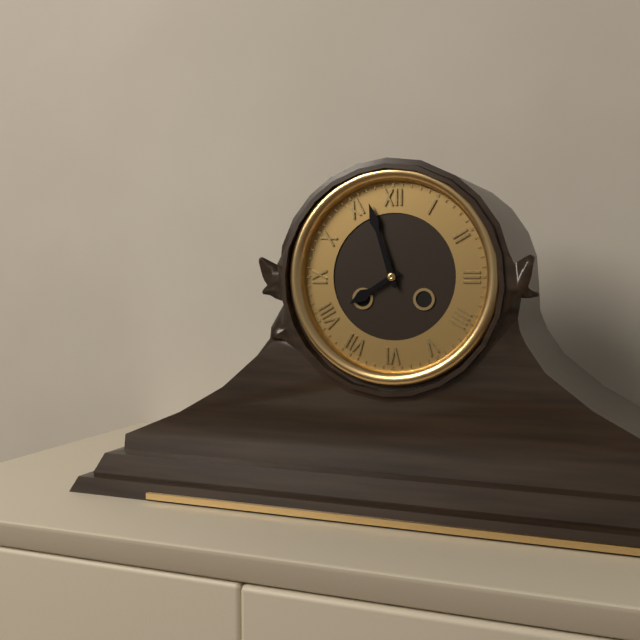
{"hour": 7, "minute": 57}
